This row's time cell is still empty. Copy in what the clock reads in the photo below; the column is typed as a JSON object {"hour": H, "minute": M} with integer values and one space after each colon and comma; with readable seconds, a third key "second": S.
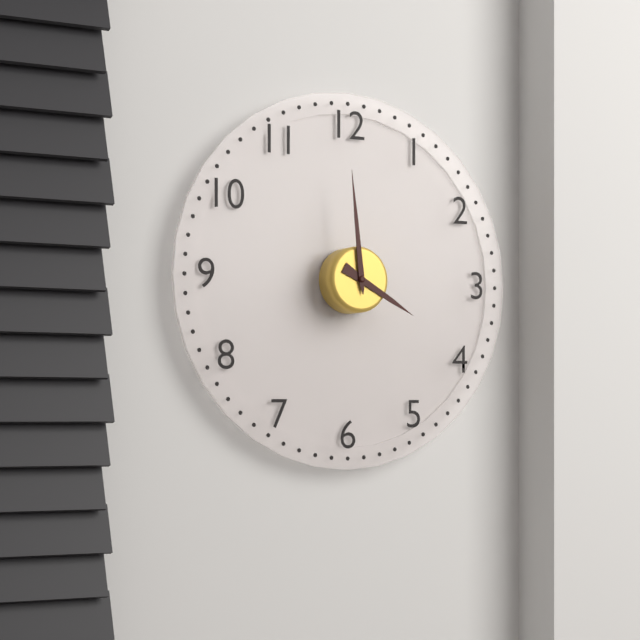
{"hour": 3, "minute": 59}
